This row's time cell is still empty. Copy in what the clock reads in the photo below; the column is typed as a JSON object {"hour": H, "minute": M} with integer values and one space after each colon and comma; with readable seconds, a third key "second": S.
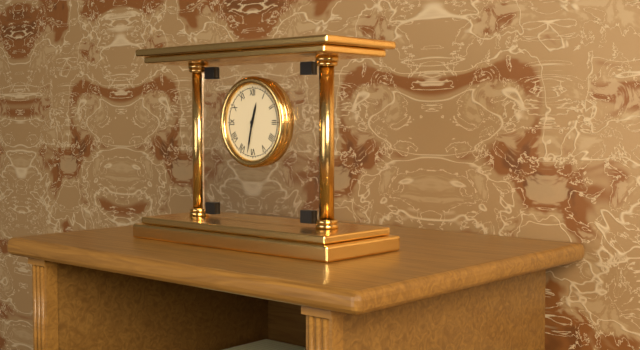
{"hour": 12, "minute": 32}
